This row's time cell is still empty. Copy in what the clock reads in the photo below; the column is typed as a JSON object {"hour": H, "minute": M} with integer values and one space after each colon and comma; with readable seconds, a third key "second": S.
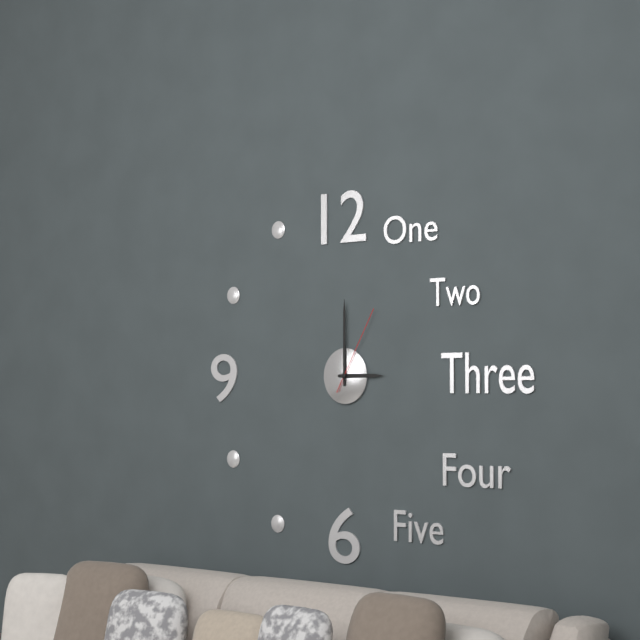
{"hour": 3, "minute": 0, "second": 5}
